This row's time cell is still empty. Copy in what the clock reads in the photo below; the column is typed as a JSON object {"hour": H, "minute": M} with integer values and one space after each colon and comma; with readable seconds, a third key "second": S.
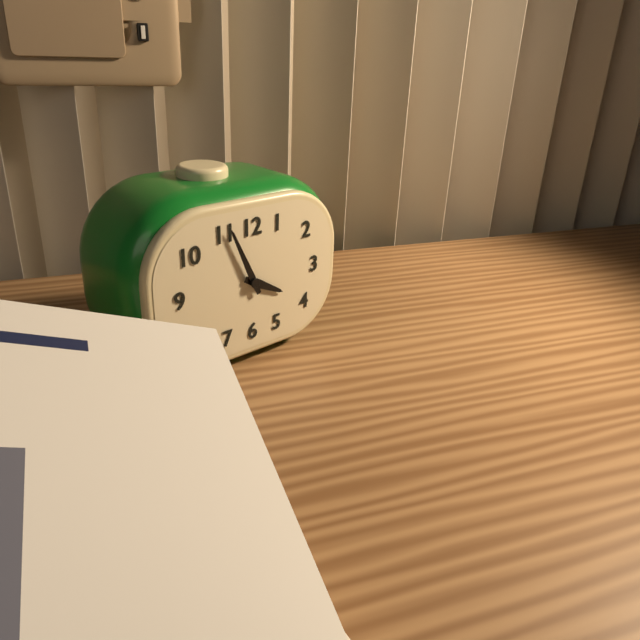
{"hour": 3, "minute": 56}
